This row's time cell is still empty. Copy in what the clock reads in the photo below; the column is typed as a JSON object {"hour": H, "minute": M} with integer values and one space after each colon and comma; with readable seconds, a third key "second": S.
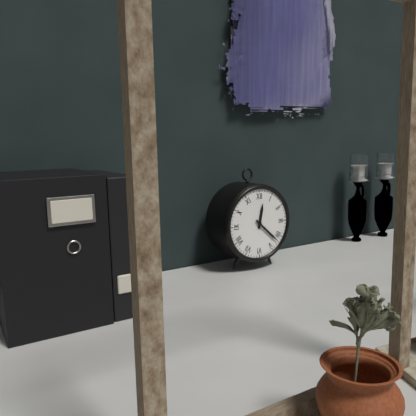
{"hour": 12, "minute": 22}
